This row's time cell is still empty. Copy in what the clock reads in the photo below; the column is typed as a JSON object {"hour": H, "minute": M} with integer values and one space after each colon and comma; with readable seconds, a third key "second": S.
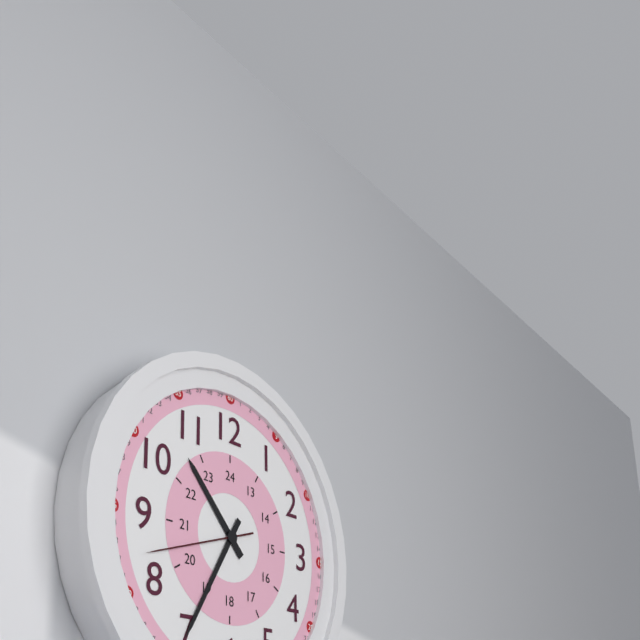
{"hour": 10, "minute": 35, "second": 42}
